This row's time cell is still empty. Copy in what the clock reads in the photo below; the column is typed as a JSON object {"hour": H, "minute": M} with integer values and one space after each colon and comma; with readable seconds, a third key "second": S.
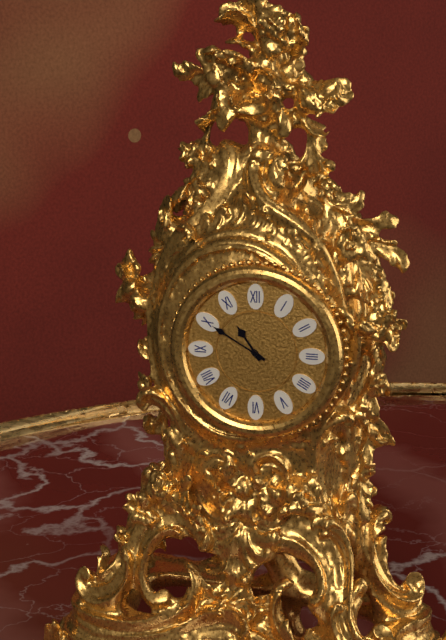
{"hour": 10, "minute": 50}
